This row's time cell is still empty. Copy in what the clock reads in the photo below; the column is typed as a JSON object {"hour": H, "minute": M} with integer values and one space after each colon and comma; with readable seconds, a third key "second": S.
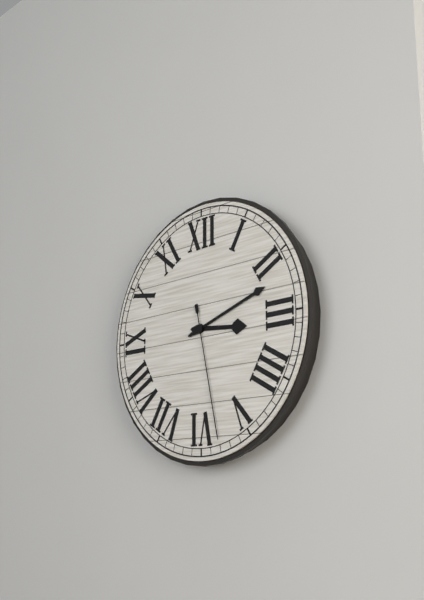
{"hour": 3, "minute": 12, "second": 28}
